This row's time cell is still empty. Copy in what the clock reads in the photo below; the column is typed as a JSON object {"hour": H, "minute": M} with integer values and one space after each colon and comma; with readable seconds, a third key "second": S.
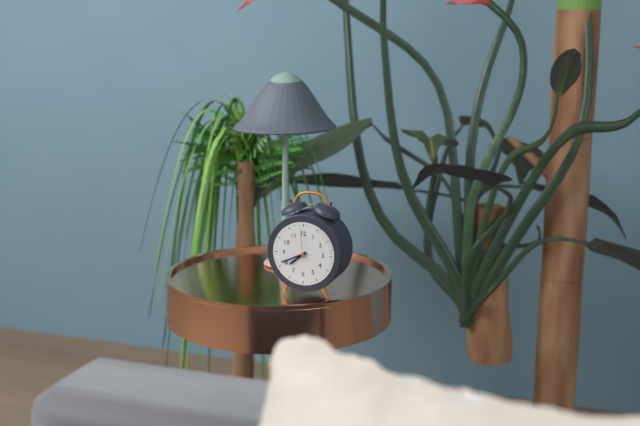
{"hour": 7, "minute": 41}
